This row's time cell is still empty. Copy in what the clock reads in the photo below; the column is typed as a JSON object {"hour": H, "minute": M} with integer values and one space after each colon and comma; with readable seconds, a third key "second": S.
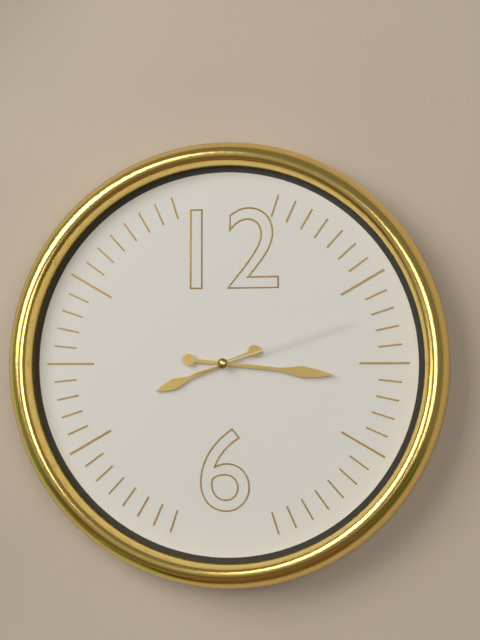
{"hour": 8, "minute": 16, "second": 12}
